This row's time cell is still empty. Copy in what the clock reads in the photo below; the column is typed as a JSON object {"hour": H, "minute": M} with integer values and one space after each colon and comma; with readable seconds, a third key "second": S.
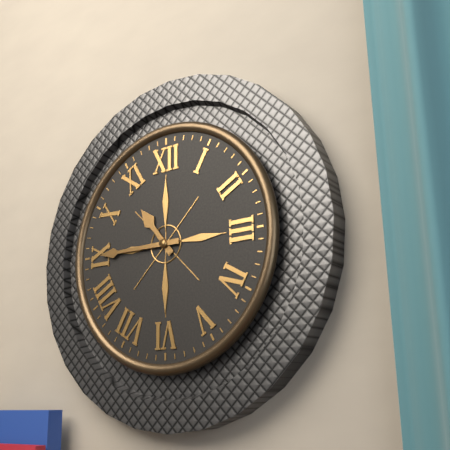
{"hour": 10, "minute": 45}
